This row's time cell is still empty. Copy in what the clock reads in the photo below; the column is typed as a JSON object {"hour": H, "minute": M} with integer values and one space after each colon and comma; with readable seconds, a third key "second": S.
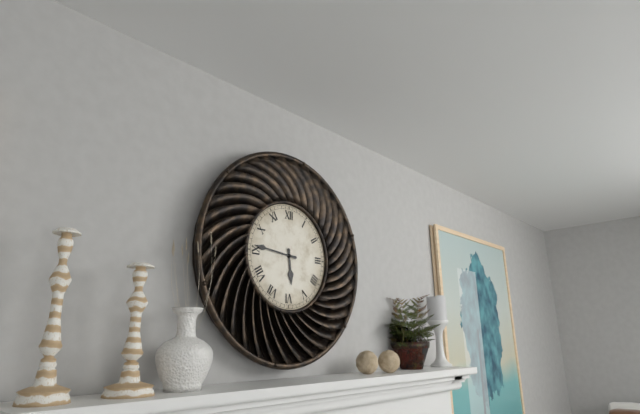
{"hour": 5, "minute": 46}
